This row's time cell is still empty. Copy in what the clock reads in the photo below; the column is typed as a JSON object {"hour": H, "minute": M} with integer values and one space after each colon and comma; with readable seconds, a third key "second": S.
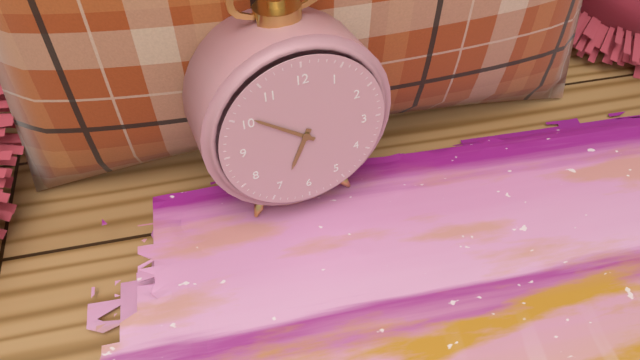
{"hour": 6, "minute": 51}
